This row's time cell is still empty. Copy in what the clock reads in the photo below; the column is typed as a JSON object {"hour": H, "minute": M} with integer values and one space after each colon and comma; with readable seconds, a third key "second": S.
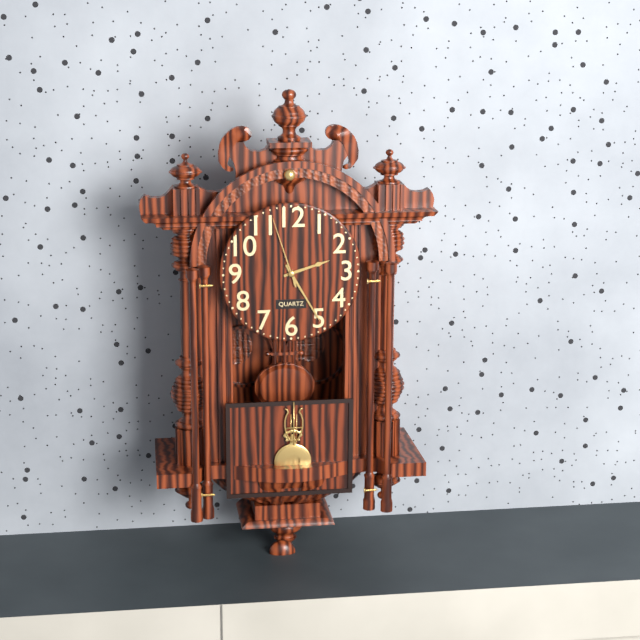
{"hour": 2, "minute": 25, "second": 57}
